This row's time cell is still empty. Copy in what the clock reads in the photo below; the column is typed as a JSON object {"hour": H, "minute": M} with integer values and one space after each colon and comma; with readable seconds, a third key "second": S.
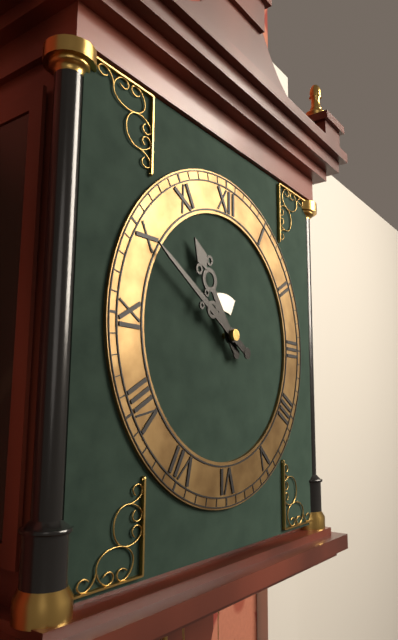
{"hour": 10, "minute": 50}
